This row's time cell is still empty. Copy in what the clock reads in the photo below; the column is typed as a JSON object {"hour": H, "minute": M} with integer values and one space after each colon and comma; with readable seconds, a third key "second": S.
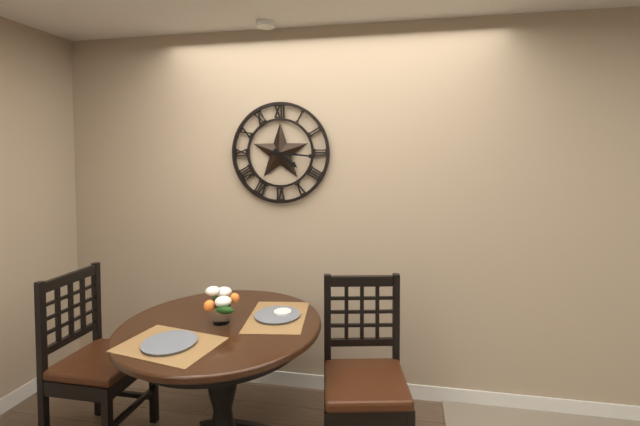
{"hour": 4, "minute": 16}
